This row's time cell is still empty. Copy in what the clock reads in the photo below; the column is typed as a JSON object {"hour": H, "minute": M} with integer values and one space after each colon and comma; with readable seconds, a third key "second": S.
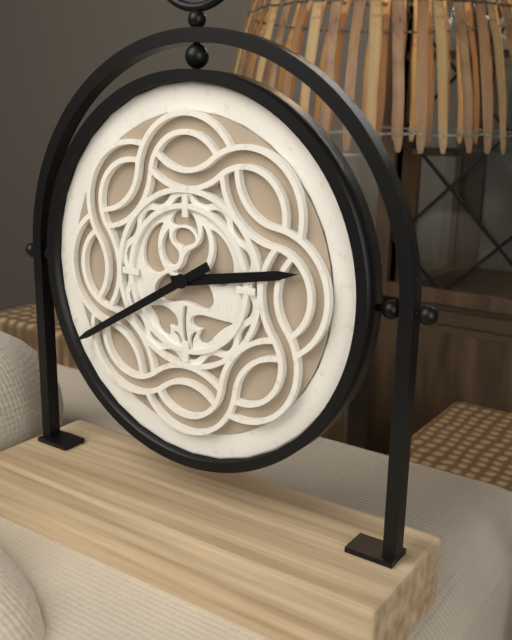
{"hour": 2, "minute": 40}
